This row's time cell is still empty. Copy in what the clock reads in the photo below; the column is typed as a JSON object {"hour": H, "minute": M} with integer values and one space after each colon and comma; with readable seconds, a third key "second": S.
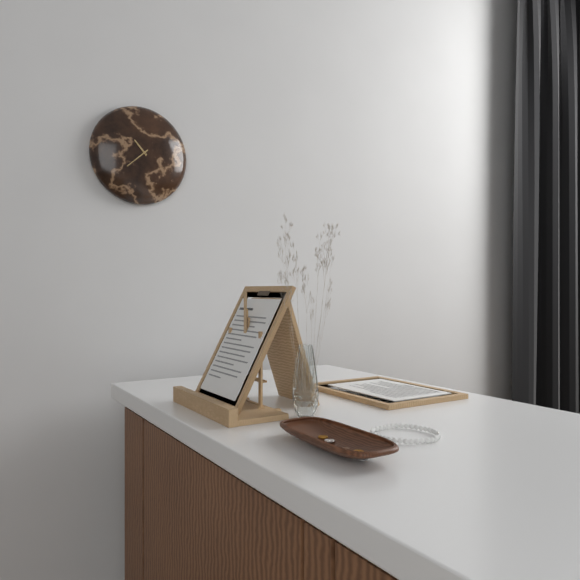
{"hour": 10, "minute": 38}
